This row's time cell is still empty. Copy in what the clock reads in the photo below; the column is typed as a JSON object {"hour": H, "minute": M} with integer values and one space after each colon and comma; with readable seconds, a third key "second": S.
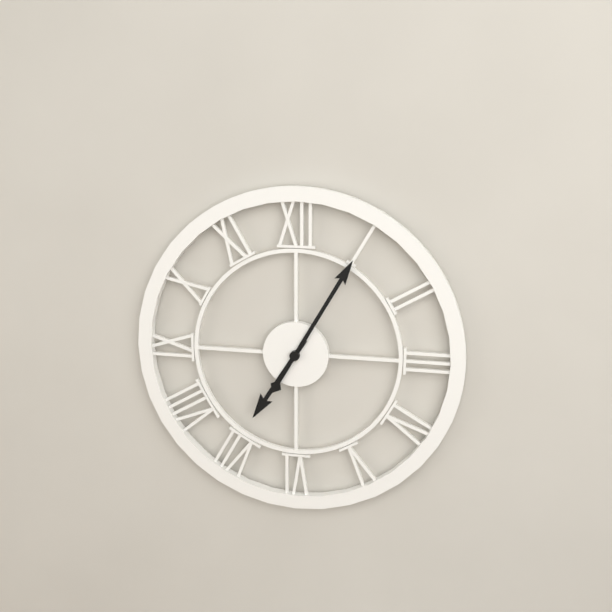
{"hour": 7, "minute": 5}
